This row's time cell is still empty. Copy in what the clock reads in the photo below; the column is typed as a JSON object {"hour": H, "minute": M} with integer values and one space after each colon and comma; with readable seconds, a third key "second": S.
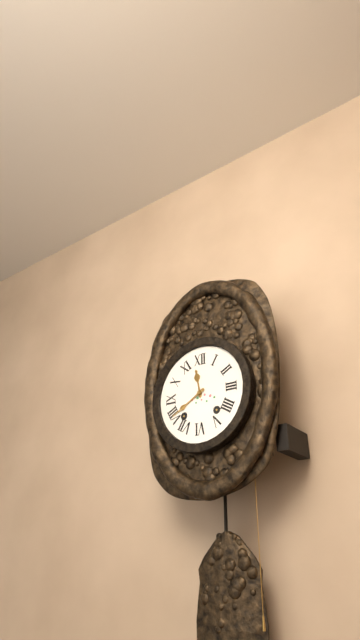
{"hour": 11, "minute": 40}
